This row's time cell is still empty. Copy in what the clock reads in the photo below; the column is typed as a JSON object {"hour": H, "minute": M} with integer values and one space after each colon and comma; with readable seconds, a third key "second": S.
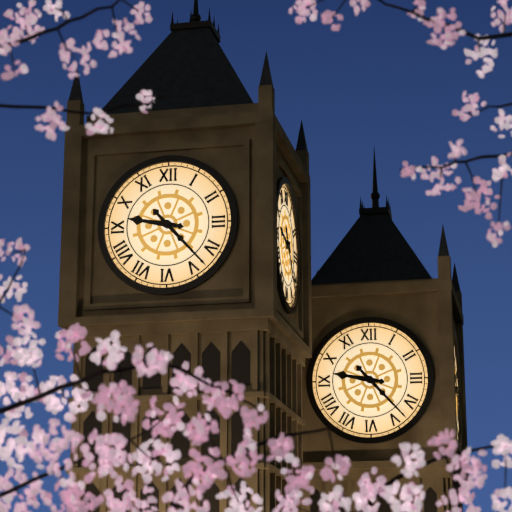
{"hour": 9, "minute": 23}
